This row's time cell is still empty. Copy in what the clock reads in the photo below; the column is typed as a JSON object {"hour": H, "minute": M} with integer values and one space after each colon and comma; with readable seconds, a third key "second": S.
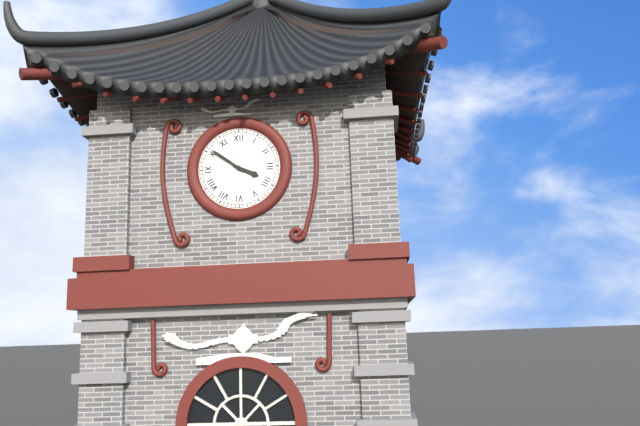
{"hour": 3, "minute": 51}
